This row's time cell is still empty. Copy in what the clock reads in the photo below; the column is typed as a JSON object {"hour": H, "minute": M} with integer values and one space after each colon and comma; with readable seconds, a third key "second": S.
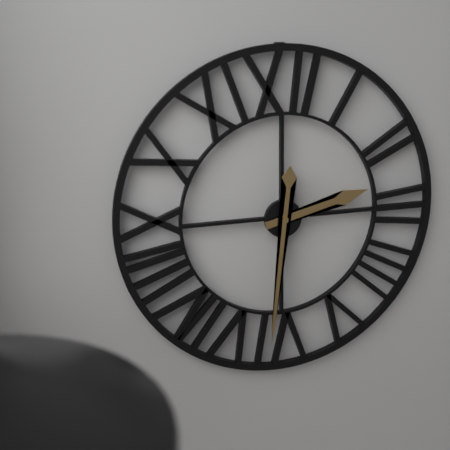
{"hour": 2, "minute": 31}
